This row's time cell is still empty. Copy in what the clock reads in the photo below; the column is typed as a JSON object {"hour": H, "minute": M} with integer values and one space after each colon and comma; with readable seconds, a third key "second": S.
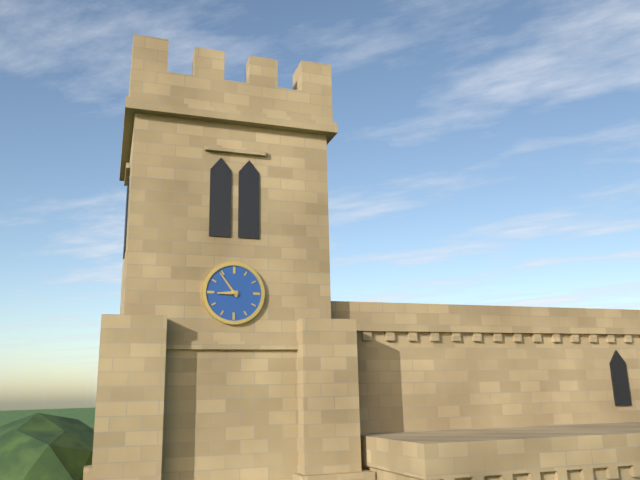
{"hour": 8, "minute": 54}
